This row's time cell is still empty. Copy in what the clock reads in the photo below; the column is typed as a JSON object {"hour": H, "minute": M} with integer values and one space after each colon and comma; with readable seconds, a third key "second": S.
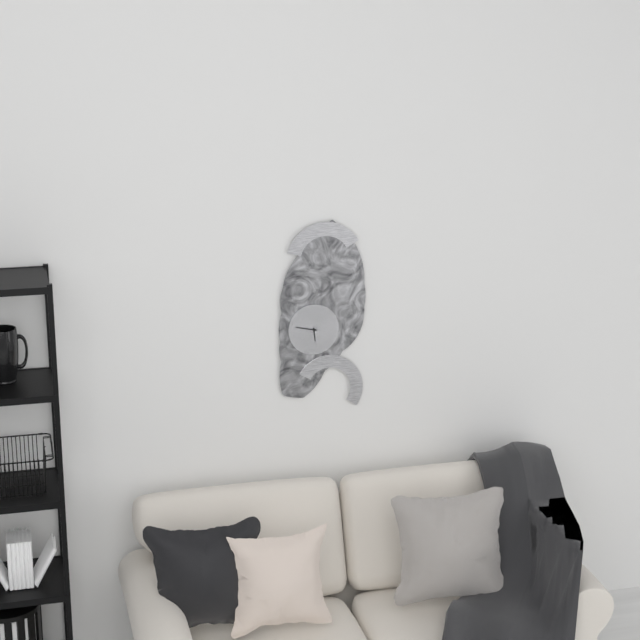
{"hour": 5, "minute": 47}
